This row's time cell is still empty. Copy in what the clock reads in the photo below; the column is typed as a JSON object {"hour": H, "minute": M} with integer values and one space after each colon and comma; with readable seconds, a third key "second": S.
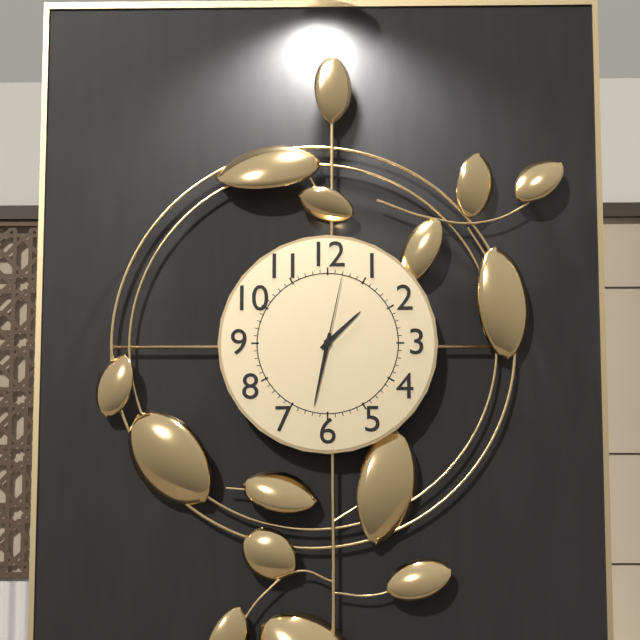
{"hour": 1, "minute": 32, "second": 2}
